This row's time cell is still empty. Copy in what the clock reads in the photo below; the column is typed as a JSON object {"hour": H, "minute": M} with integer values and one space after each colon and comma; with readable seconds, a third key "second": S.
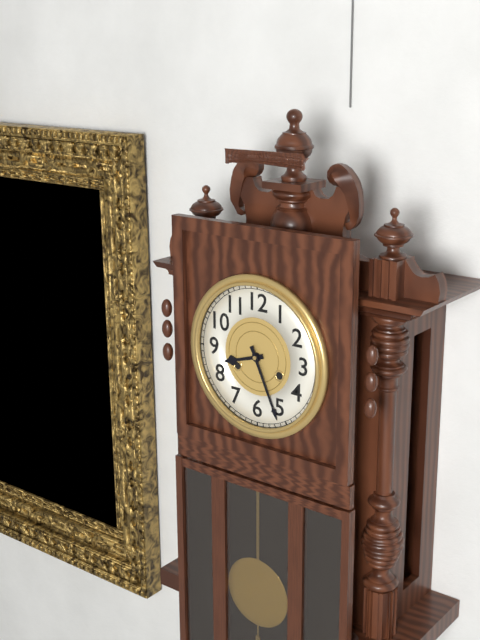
{"hour": 8, "minute": 26}
